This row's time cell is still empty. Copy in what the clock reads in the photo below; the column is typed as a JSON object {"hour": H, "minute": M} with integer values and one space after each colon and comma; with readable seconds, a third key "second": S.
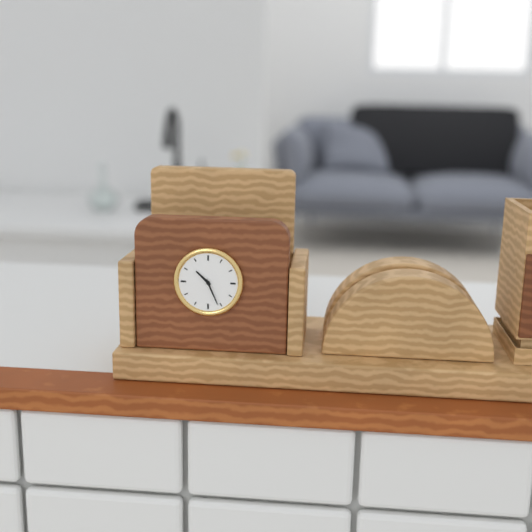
{"hour": 10, "minute": 26}
